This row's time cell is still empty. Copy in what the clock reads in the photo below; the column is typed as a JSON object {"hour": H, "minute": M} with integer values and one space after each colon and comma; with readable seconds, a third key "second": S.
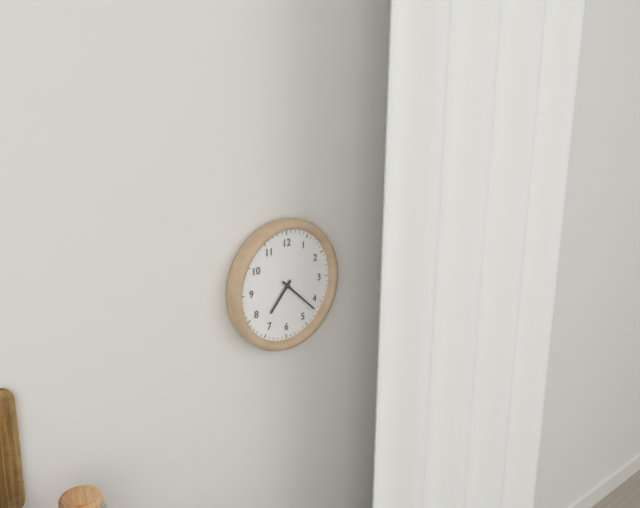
{"hour": 7, "minute": 22}
